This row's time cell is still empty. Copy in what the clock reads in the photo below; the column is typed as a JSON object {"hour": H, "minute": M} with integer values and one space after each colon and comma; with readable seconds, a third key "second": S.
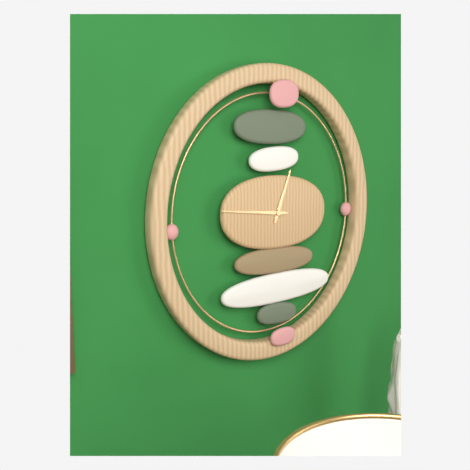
{"hour": 12, "minute": 46}
